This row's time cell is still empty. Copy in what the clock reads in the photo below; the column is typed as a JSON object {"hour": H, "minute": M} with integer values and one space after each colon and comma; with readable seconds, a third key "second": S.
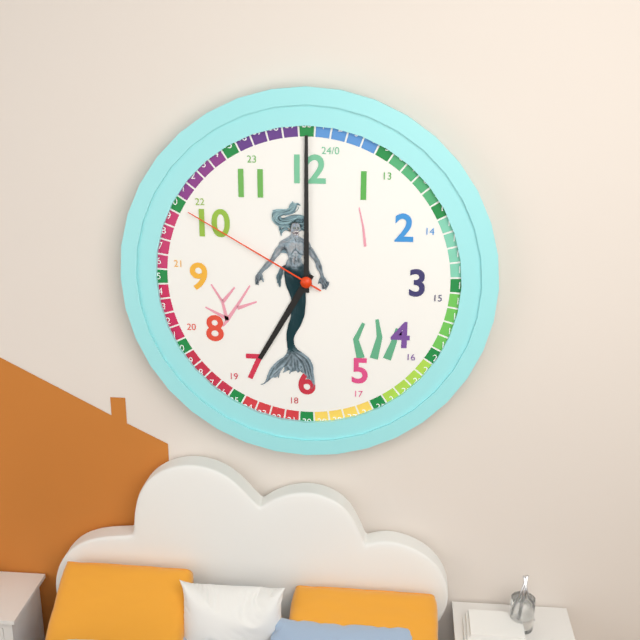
{"hour": 7, "minute": 0, "second": 50}
